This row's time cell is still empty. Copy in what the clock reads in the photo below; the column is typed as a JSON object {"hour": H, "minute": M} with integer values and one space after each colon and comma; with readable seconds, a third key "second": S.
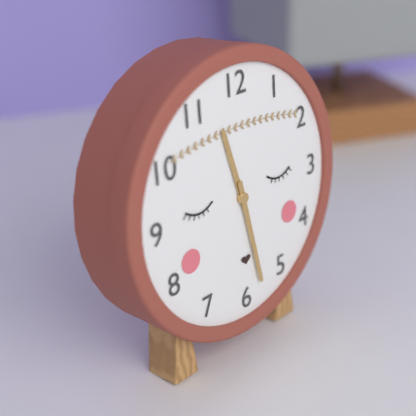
{"hour": 11, "minute": 28}
